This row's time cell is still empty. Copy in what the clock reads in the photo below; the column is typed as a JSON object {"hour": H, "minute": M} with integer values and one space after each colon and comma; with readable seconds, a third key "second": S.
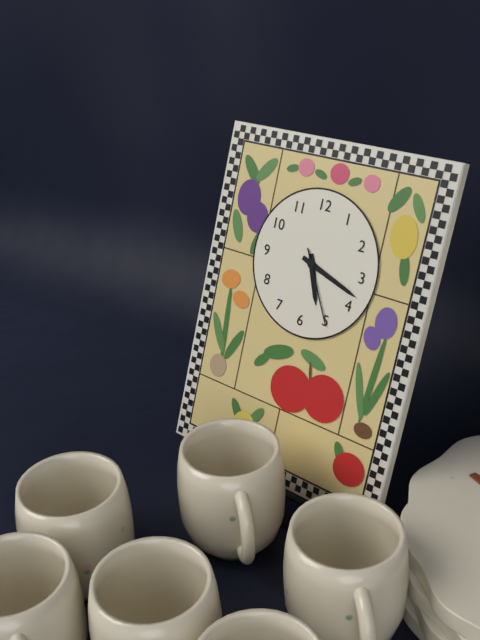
{"hour": 5, "minute": 18, "second": 25}
